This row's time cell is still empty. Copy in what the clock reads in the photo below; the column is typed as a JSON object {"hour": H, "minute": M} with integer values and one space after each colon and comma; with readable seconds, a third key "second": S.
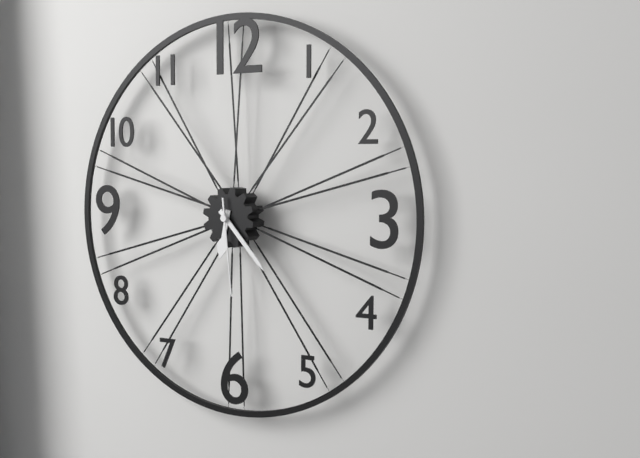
{"hour": 6, "minute": 23, "second": 29}
